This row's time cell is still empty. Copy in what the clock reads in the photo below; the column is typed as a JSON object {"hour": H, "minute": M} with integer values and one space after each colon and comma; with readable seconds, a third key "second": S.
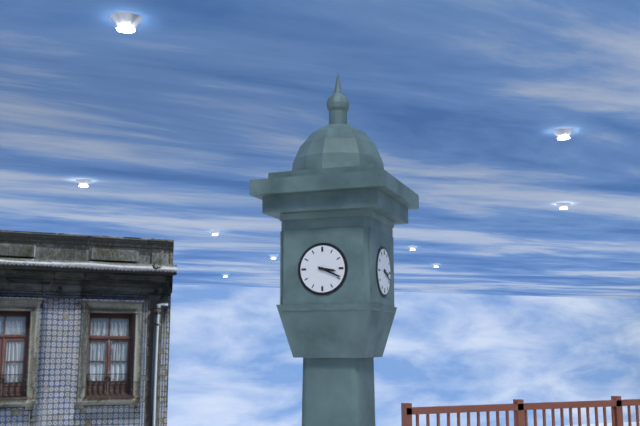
{"hour": 3, "minute": 19}
